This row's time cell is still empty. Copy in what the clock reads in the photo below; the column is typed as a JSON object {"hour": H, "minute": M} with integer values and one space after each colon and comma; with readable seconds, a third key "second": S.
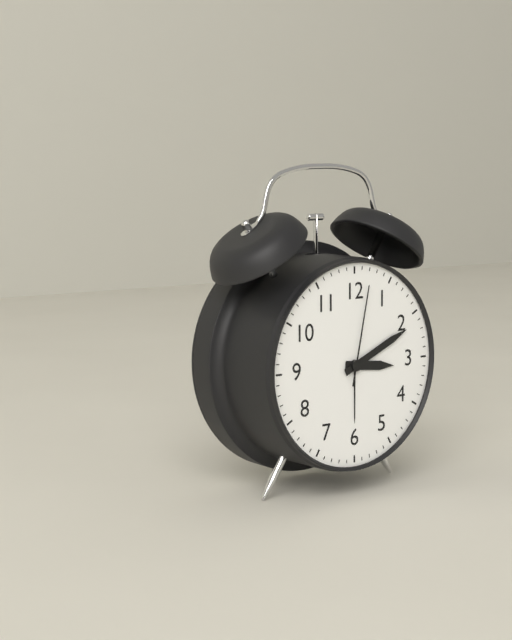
{"hour": 3, "minute": 11, "second": 2}
